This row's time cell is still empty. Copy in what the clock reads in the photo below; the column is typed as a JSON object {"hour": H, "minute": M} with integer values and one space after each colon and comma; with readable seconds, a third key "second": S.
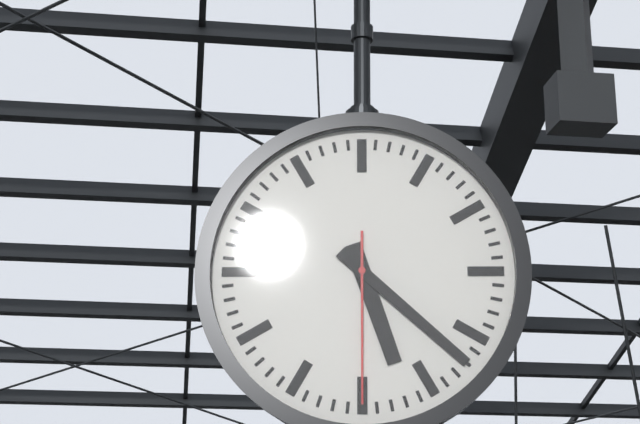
{"hour": 5, "minute": 22, "second": 30}
